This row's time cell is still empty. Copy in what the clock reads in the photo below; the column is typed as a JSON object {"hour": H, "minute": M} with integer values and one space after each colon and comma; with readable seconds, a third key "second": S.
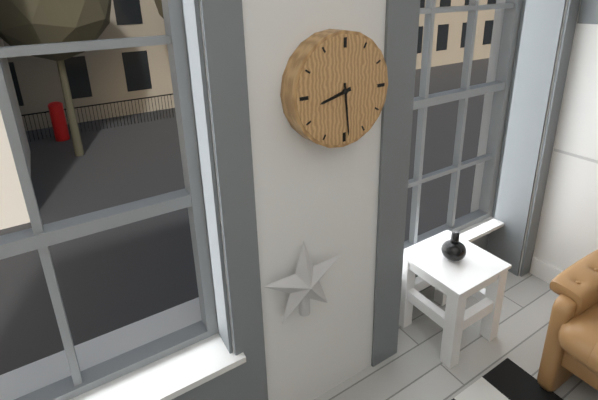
{"hour": 8, "minute": 29}
